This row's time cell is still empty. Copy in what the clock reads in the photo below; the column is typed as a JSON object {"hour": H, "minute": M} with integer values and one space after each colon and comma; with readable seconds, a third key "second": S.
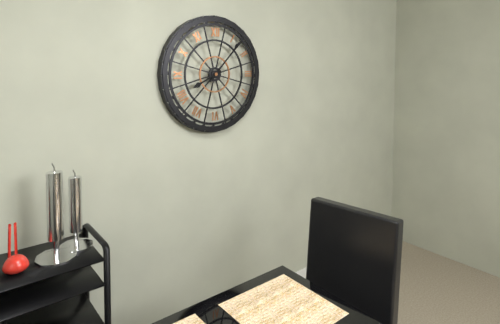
{"hour": 8, "minute": 7}
